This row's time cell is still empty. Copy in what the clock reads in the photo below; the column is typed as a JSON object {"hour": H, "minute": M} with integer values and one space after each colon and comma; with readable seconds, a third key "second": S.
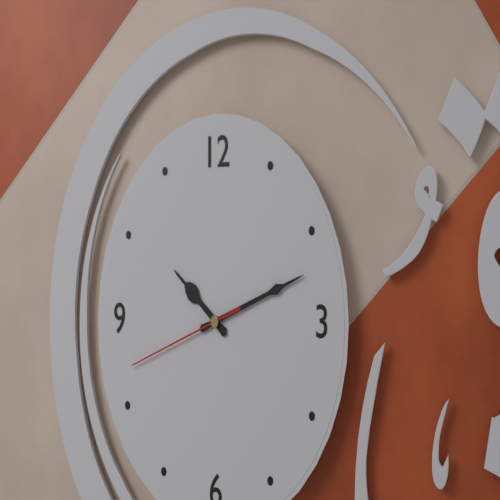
{"hour": 10, "minute": 12, "second": 42}
